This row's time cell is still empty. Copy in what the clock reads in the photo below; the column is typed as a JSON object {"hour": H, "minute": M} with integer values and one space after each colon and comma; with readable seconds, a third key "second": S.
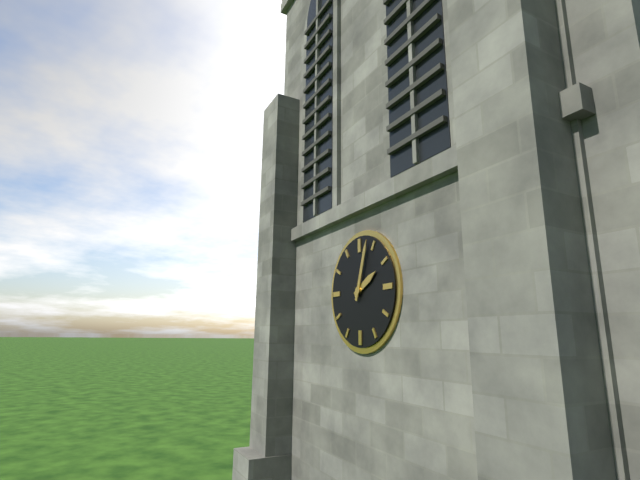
{"hour": 2, "minute": 3}
